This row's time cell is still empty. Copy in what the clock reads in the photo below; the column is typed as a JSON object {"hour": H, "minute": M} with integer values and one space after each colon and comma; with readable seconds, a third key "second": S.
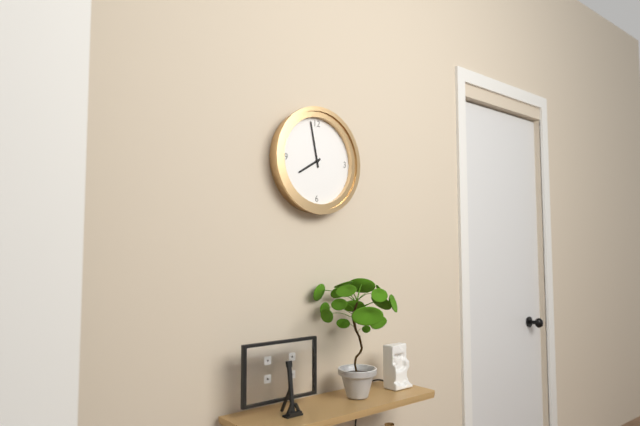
{"hour": 7, "minute": 58}
